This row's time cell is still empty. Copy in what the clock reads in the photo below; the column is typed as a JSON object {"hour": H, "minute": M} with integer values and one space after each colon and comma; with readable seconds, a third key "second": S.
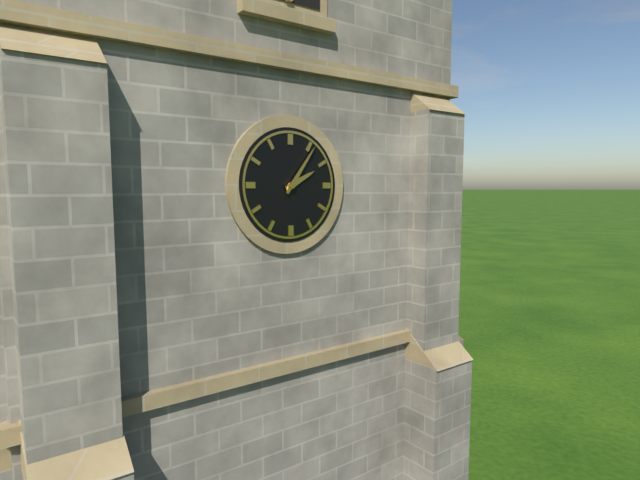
{"hour": 2, "minute": 6}
